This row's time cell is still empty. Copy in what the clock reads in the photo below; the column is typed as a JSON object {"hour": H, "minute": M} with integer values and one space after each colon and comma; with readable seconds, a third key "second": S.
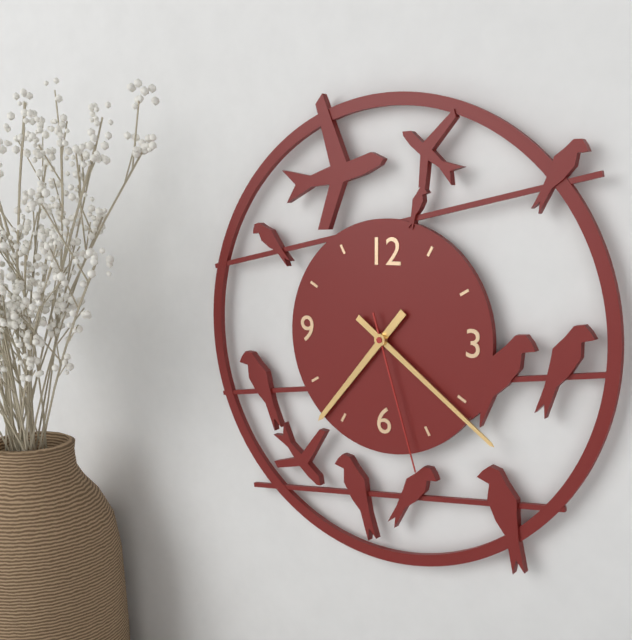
{"hour": 7, "minute": 21, "second": 27}
